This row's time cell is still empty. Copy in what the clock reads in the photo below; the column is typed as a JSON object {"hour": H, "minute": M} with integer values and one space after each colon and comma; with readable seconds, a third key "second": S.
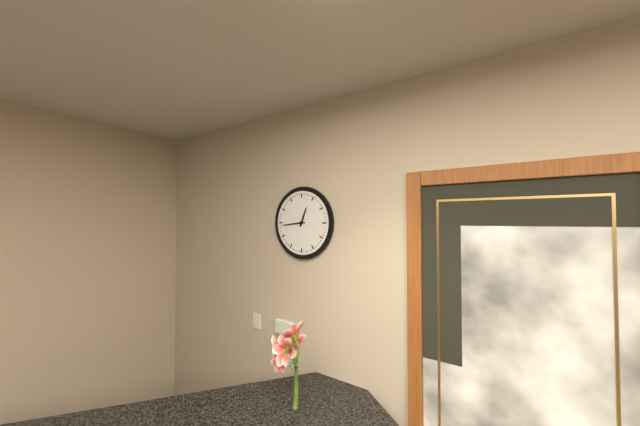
{"hour": 12, "minute": 44}
